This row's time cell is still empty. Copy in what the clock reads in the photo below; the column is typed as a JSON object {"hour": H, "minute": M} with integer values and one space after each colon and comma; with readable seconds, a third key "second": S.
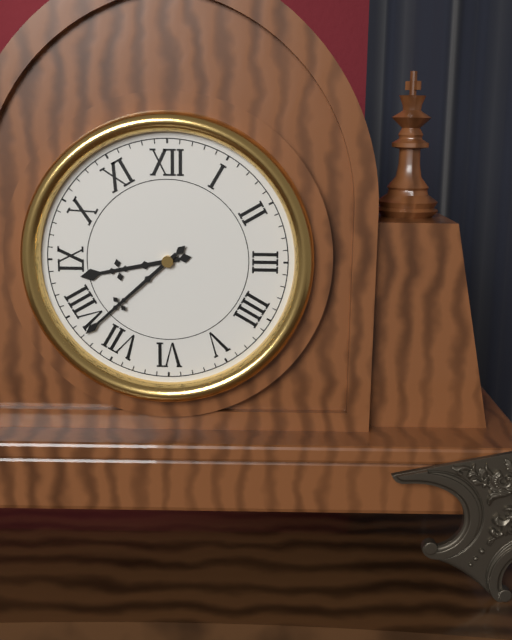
{"hour": 8, "minute": 38}
